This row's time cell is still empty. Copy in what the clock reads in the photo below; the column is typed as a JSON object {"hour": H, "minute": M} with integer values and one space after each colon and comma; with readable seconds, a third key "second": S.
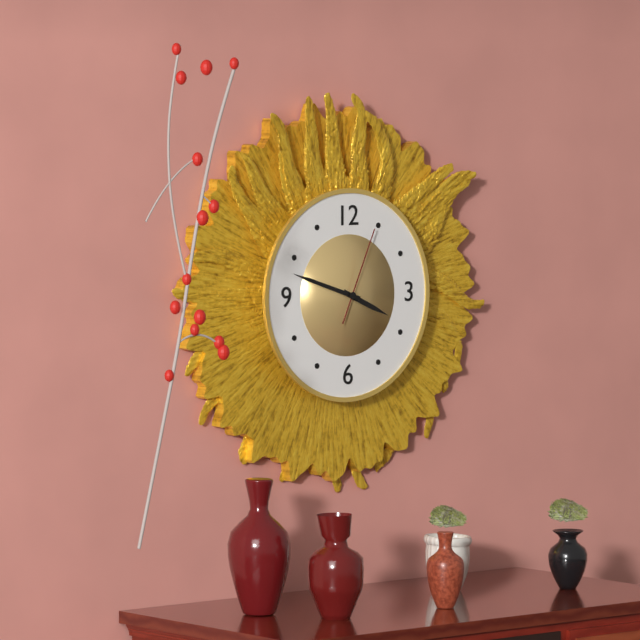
{"hour": 3, "minute": 48, "second": 4}
